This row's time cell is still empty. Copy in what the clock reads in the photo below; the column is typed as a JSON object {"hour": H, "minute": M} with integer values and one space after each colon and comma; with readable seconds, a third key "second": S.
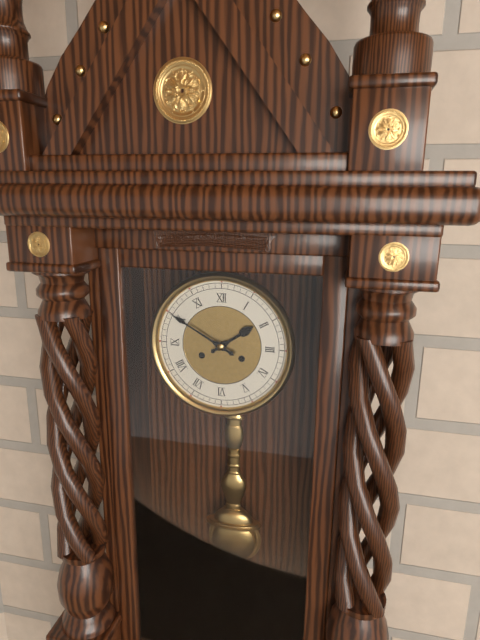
{"hour": 1, "minute": 50}
